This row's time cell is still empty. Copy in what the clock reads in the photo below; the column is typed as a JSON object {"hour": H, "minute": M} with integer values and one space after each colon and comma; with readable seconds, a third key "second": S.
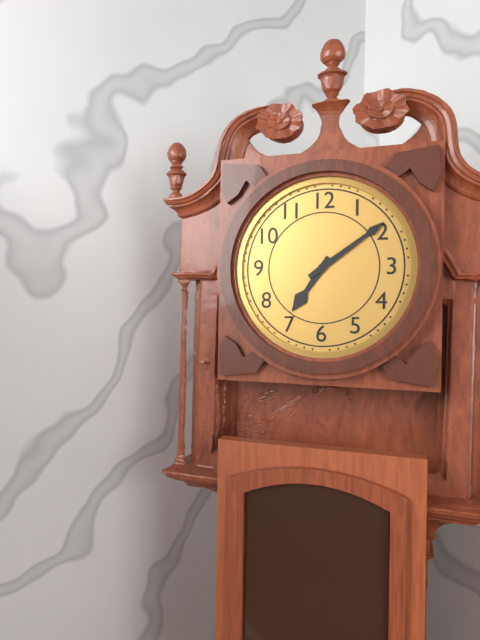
{"hour": 7, "minute": 9}
